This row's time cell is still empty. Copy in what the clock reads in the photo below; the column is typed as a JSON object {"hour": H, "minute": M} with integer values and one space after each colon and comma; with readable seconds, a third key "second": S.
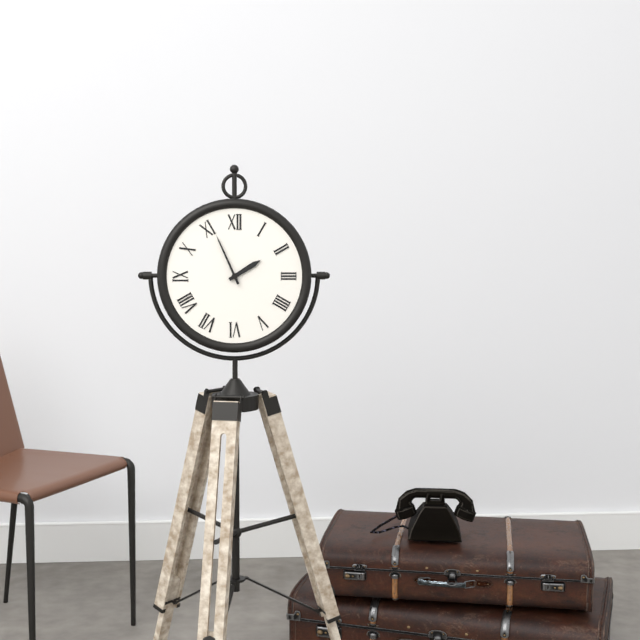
{"hour": 1, "minute": 56}
